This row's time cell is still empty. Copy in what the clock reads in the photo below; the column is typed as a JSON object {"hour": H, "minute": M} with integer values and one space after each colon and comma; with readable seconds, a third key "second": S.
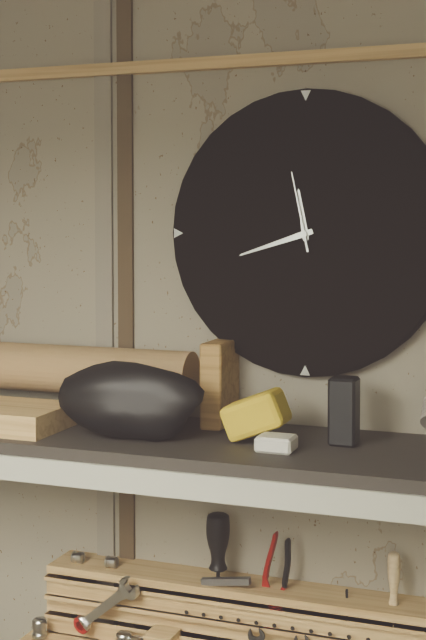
{"hour": 11, "minute": 42, "second": 58}
